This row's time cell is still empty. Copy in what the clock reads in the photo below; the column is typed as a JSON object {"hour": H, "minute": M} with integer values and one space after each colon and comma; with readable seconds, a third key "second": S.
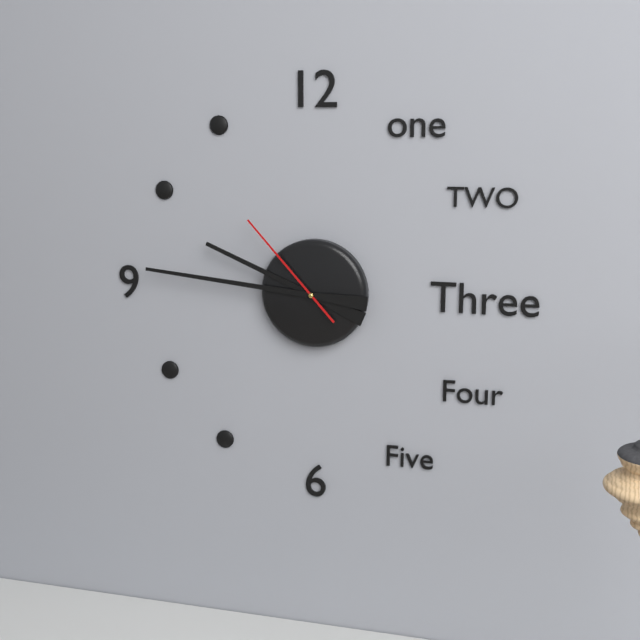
{"hour": 9, "minute": 46, "second": 53}
